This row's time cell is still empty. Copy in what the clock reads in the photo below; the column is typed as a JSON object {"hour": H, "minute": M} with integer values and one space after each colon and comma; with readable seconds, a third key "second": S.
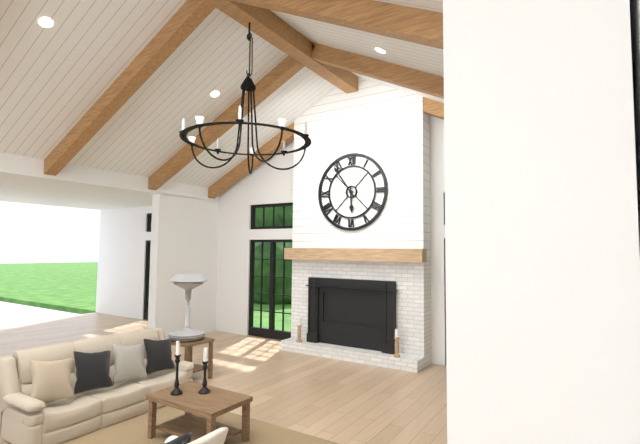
{"hour": 5, "minute": 54}
